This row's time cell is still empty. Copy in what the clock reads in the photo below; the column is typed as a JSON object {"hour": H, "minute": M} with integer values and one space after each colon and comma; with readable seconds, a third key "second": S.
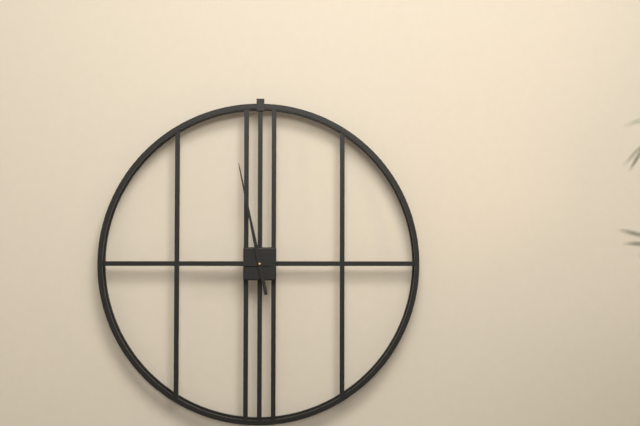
{"hour": 8, "minute": 58}
